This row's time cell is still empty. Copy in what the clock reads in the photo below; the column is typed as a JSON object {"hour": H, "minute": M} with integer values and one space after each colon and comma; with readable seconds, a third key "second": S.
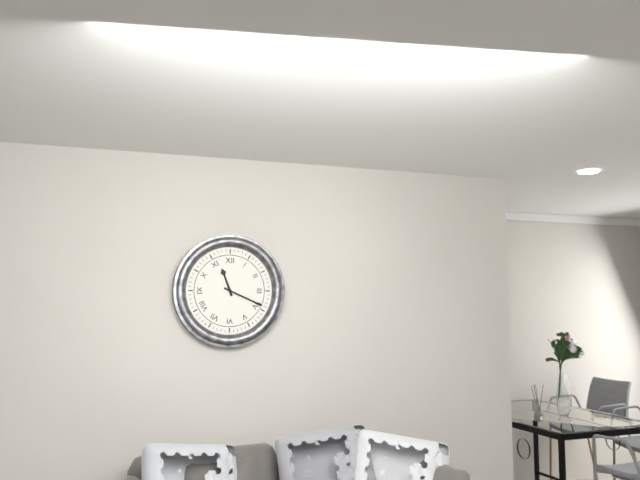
{"hour": 11, "minute": 19}
